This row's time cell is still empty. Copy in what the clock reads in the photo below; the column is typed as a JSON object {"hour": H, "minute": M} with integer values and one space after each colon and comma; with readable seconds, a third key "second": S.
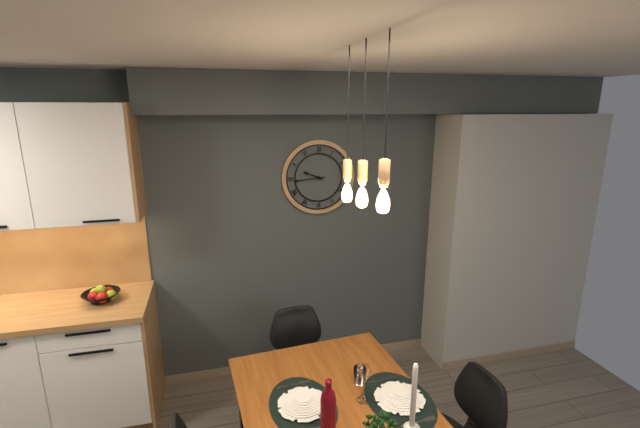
{"hour": 9, "minute": 44}
